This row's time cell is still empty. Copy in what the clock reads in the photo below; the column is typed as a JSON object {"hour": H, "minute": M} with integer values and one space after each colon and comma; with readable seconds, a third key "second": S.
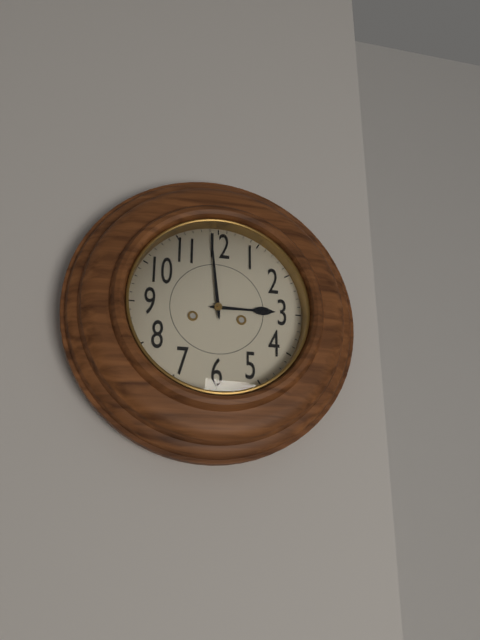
{"hour": 2, "minute": 59}
